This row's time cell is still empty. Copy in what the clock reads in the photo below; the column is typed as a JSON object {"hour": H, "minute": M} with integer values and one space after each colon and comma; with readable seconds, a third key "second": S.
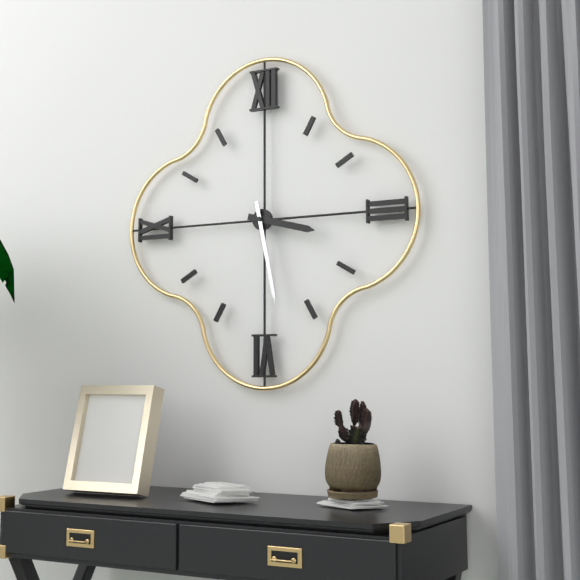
{"hour": 3, "minute": 28}
